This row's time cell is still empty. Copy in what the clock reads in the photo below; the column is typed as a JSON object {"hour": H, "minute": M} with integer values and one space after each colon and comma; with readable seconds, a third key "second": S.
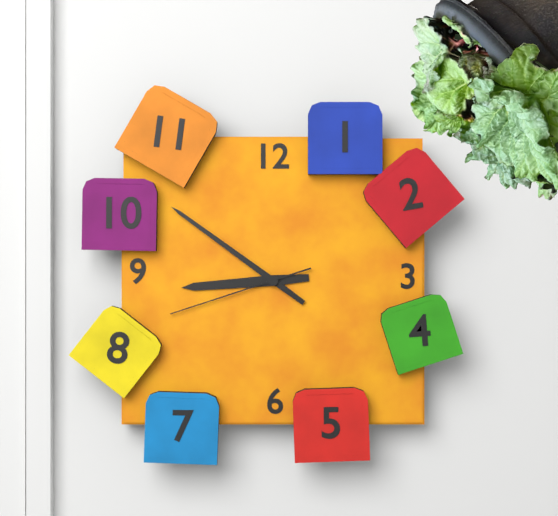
{"hour": 8, "minute": 51, "second": 42}
